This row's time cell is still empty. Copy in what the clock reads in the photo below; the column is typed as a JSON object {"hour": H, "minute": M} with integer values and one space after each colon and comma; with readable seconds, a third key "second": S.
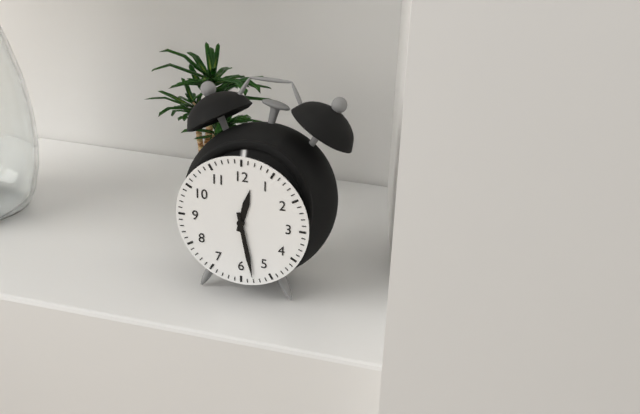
{"hour": 12, "minute": 28}
